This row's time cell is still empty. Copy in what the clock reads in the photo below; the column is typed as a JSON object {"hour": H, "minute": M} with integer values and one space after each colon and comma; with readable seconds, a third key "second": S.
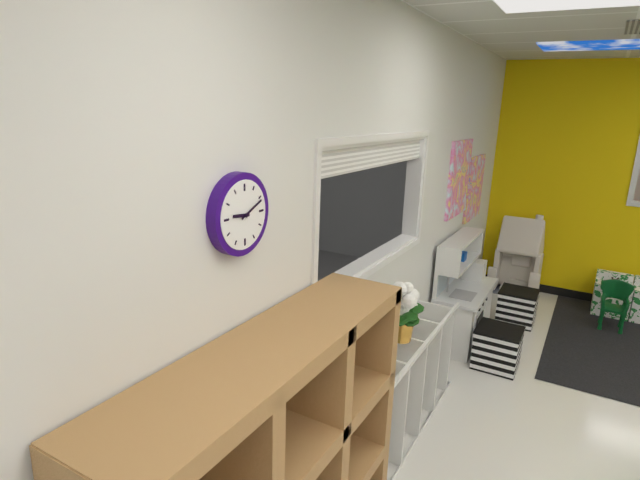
{"hour": 9, "minute": 11}
